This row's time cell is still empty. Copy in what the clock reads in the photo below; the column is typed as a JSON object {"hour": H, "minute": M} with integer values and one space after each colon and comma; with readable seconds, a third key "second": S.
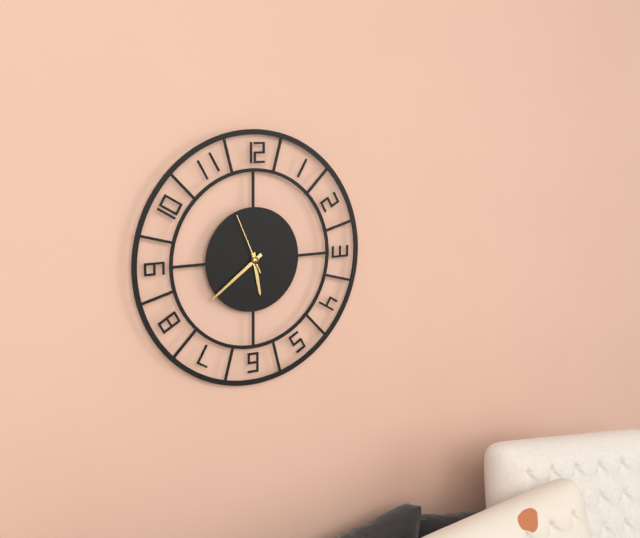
{"hour": 5, "minute": 39, "second": 56}
